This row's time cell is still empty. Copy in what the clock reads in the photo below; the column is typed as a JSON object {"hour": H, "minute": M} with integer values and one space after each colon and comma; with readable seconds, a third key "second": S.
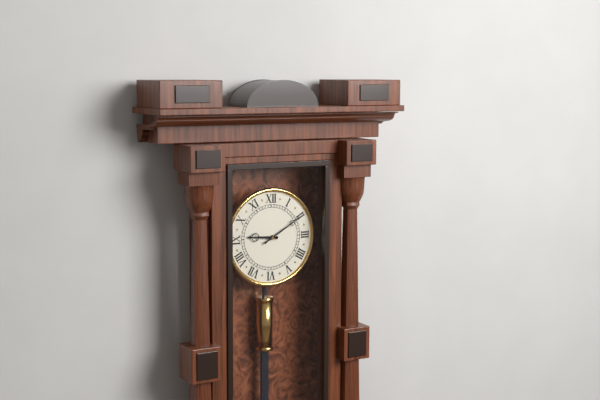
{"hour": 9, "minute": 10}
